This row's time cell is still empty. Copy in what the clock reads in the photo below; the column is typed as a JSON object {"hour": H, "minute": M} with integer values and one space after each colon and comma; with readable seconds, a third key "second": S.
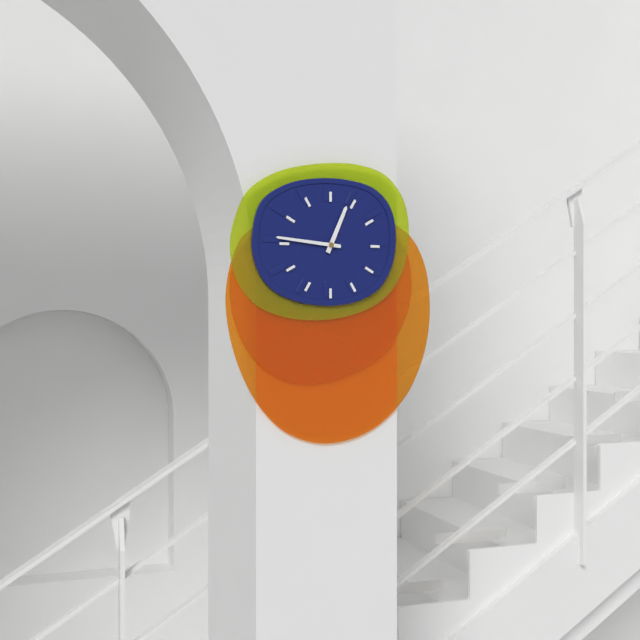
{"hour": 12, "minute": 46}
